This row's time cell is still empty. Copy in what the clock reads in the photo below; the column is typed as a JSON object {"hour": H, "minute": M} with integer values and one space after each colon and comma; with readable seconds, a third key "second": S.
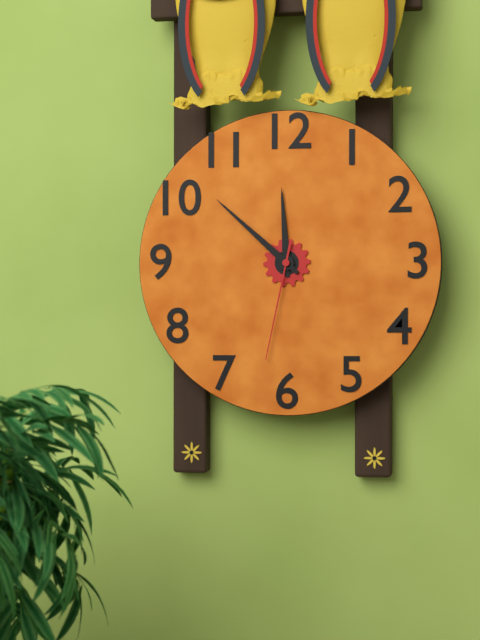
{"hour": 11, "minute": 52, "second": 32}
